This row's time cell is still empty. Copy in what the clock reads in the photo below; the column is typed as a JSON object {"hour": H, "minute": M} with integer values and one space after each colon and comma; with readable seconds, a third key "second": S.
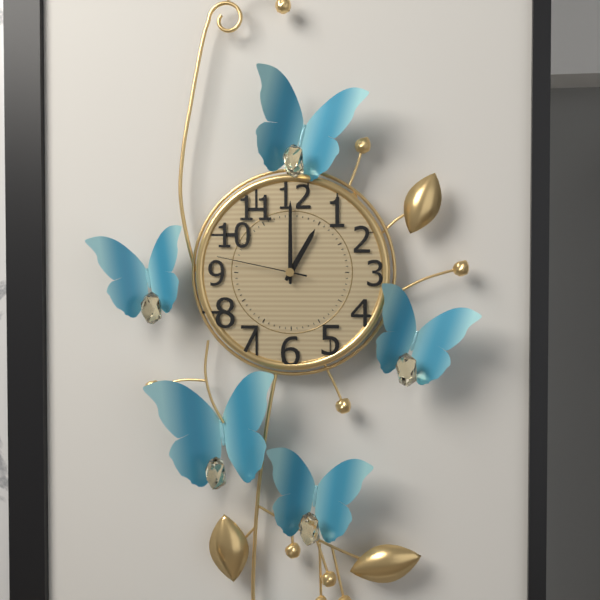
{"hour": 1, "minute": 0, "second": 47}
